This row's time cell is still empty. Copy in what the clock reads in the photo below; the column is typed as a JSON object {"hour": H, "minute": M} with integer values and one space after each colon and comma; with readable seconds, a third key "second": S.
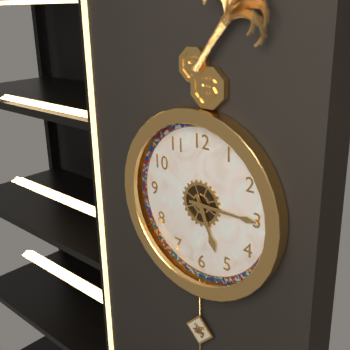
{"hour": 5, "minute": 15}
